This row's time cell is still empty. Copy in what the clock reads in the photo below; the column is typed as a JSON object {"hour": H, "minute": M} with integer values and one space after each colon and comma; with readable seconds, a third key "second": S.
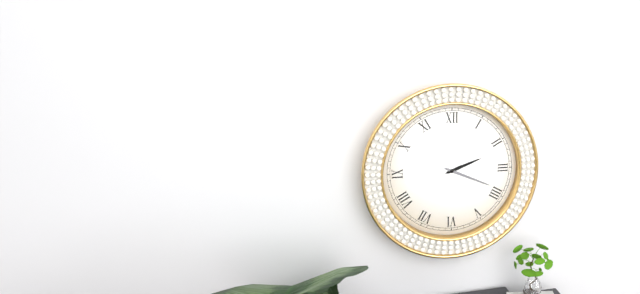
{"hour": 2, "minute": 19}
